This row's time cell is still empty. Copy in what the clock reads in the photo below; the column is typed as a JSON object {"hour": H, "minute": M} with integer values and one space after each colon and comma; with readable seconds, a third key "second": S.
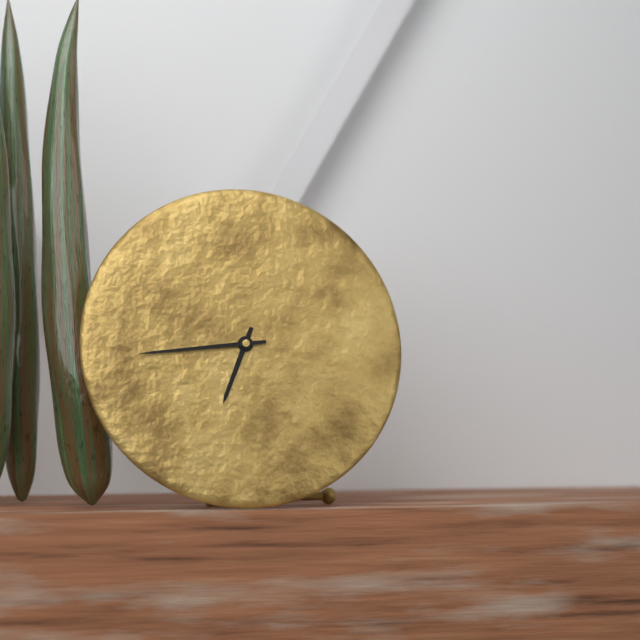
{"hour": 6, "minute": 44}
